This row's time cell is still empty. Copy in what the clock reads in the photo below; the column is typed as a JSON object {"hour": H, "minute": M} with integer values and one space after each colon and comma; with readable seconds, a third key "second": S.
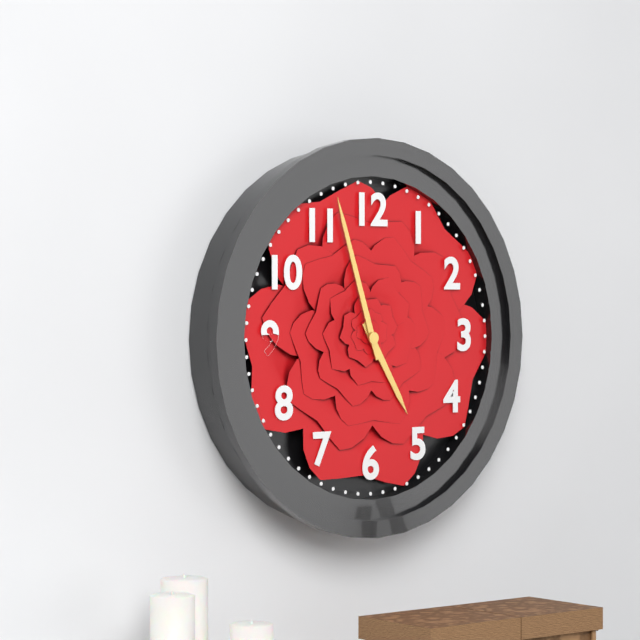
{"hour": 4, "minute": 57}
